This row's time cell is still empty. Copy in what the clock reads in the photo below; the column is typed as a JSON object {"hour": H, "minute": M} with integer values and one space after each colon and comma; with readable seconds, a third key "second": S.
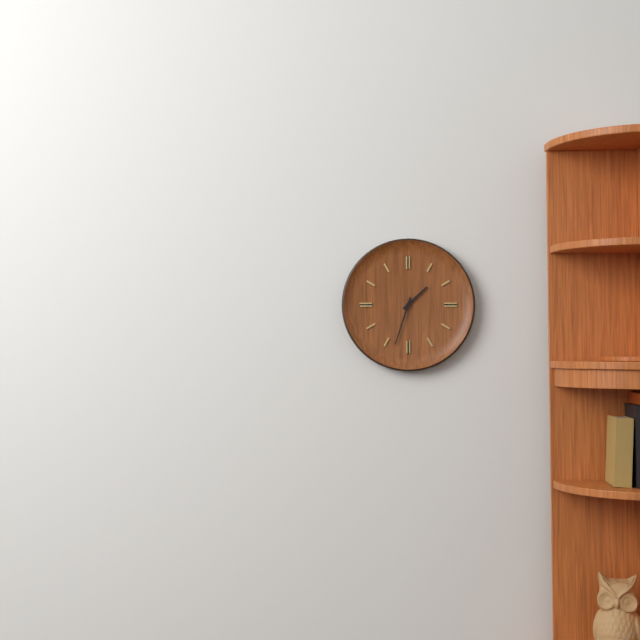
{"hour": 1, "minute": 33}
